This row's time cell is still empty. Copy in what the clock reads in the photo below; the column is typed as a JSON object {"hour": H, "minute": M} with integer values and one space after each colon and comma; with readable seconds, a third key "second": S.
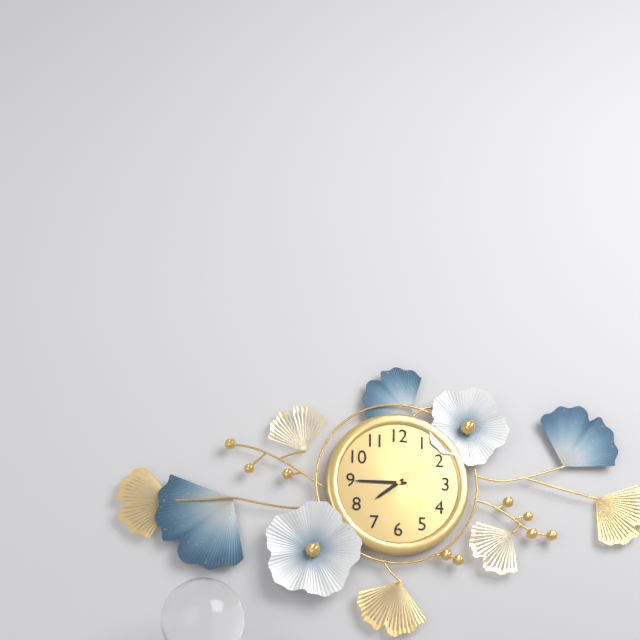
{"hour": 7, "minute": 45}
